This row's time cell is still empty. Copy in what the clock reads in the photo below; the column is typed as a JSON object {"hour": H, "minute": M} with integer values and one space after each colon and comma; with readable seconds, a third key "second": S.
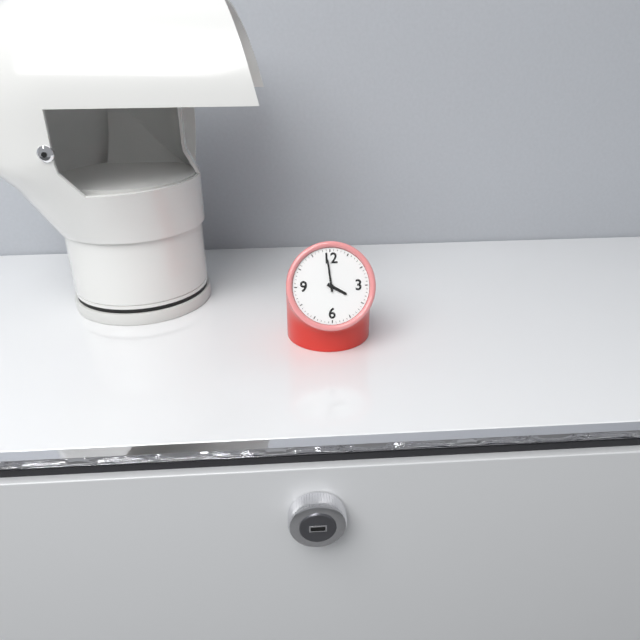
{"hour": 3, "minute": 59}
